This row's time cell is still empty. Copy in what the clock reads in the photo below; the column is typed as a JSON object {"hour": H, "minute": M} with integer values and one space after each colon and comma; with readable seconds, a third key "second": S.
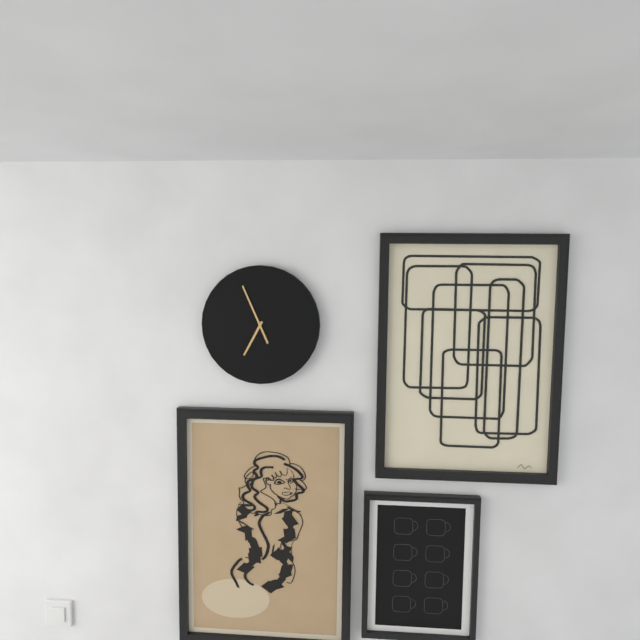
{"hour": 6, "minute": 56}
